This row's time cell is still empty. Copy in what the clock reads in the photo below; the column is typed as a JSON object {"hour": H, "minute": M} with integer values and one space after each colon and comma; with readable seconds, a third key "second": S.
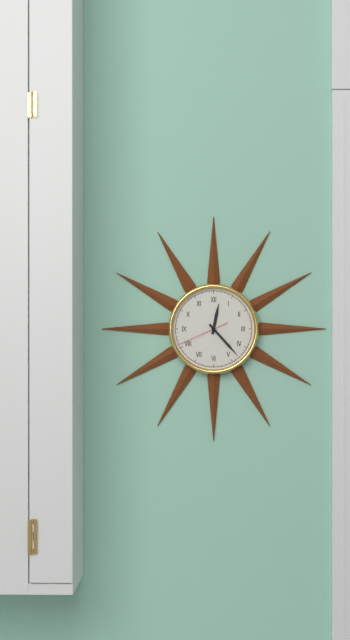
{"hour": 12, "minute": 23}
